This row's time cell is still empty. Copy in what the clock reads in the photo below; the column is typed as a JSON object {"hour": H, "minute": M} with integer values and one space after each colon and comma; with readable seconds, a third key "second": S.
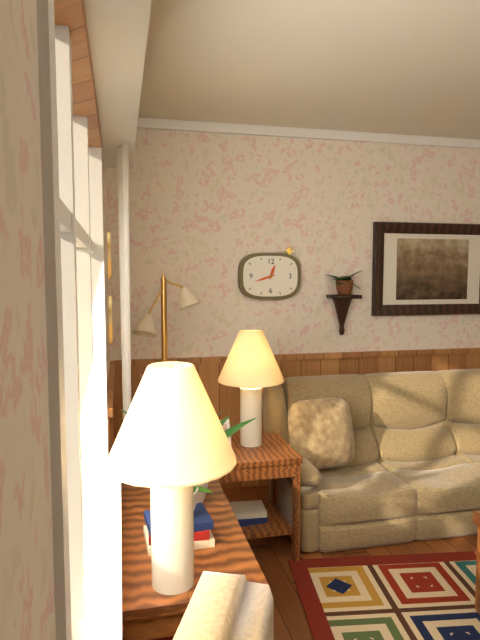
{"hour": 12, "minute": 42}
